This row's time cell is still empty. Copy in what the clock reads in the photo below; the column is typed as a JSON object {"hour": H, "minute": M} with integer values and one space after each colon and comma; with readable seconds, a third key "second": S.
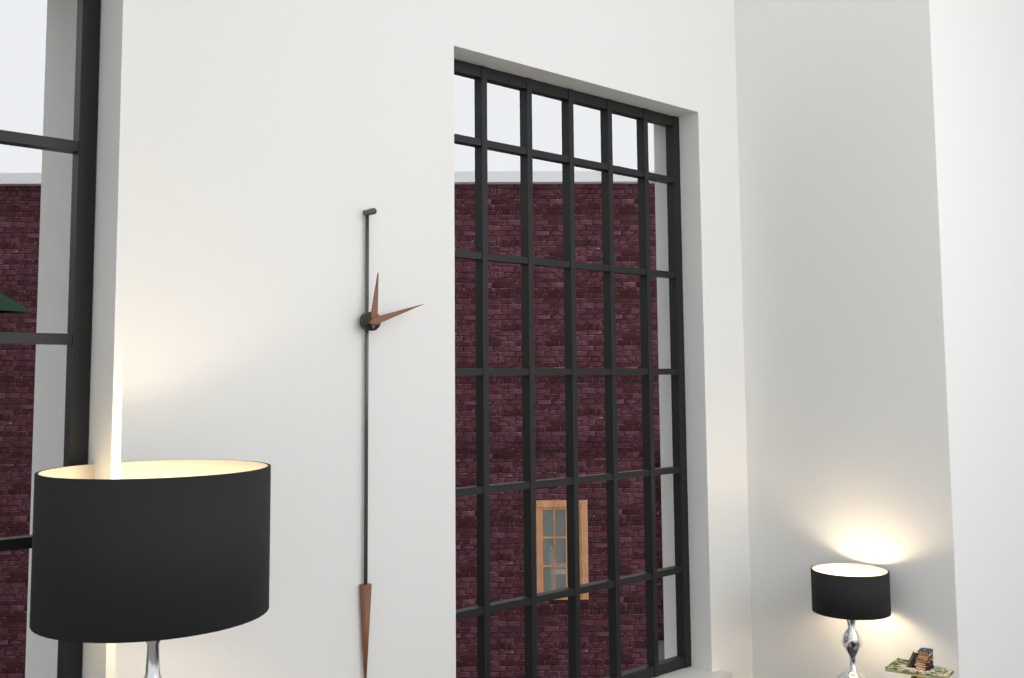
{"hour": 12, "minute": 12}
